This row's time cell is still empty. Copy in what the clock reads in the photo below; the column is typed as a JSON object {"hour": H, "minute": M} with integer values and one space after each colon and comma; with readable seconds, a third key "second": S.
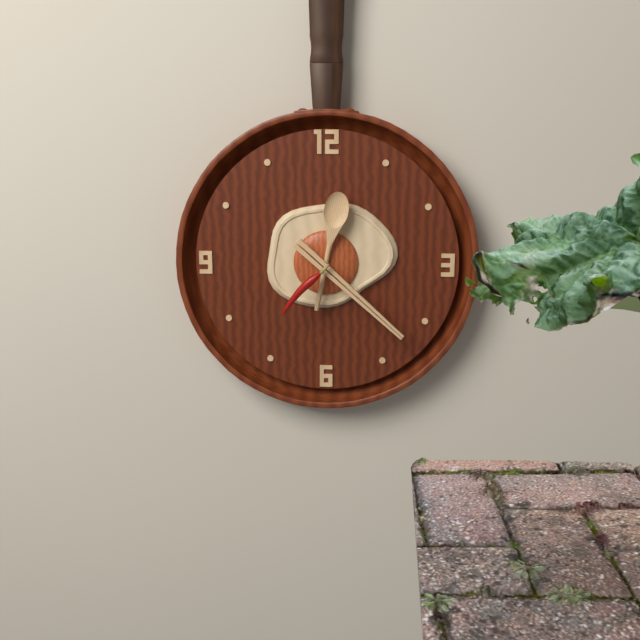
{"hour": 12, "minute": 22, "second": 37}
